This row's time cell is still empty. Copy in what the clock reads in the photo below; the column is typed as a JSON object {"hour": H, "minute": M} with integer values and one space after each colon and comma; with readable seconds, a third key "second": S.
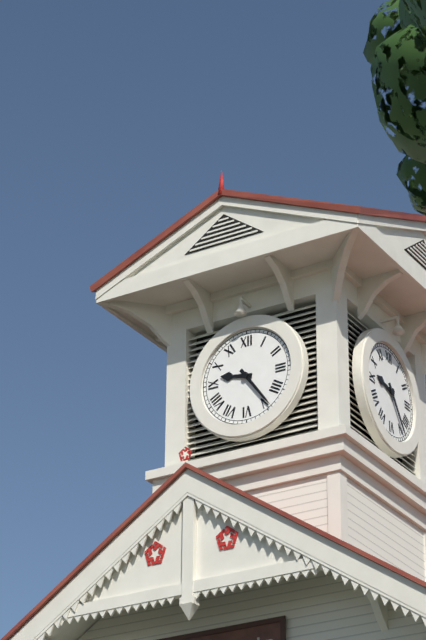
{"hour": 9, "minute": 24}
